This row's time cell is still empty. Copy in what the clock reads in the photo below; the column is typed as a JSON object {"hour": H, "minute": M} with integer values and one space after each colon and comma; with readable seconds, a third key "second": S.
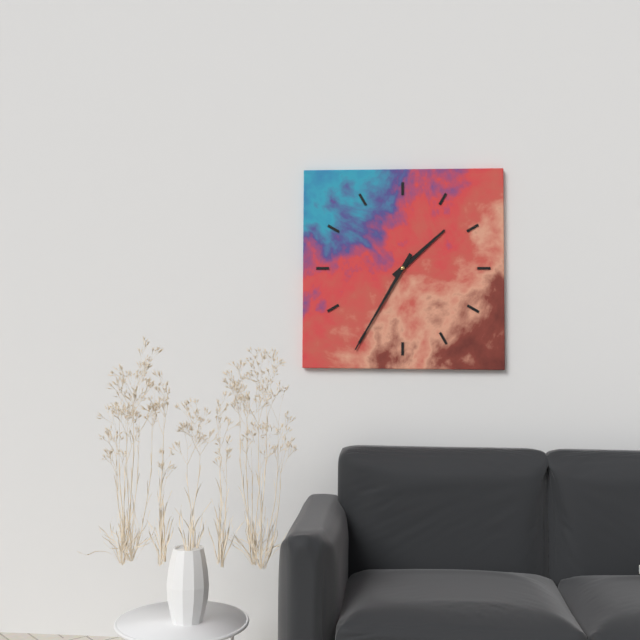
{"hour": 1, "minute": 35}
